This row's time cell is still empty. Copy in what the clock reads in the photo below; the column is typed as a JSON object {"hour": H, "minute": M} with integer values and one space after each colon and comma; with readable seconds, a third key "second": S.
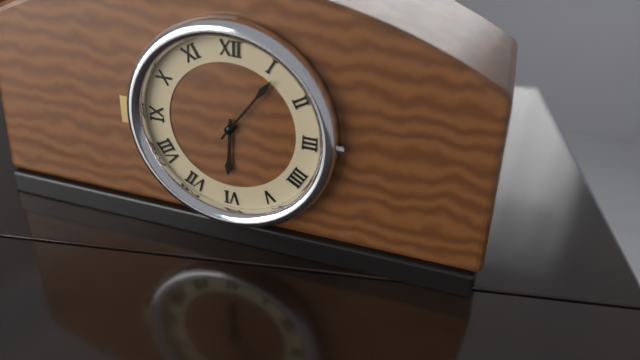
{"hour": 6, "minute": 6}
